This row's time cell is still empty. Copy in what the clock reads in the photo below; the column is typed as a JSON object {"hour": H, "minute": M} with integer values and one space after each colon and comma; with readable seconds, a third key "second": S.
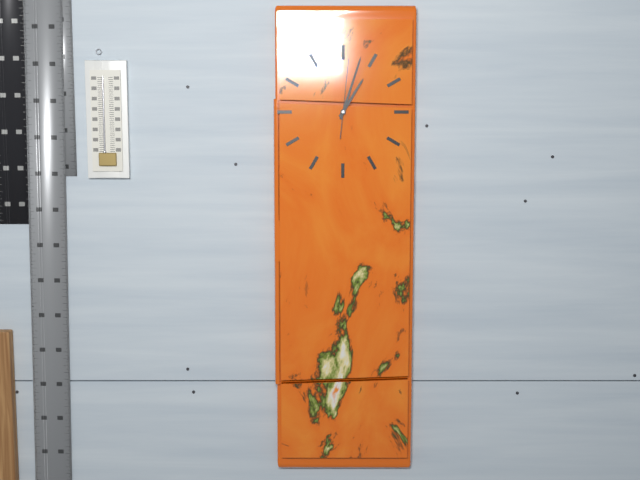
{"hour": 1, "minute": 3, "second": 1}
